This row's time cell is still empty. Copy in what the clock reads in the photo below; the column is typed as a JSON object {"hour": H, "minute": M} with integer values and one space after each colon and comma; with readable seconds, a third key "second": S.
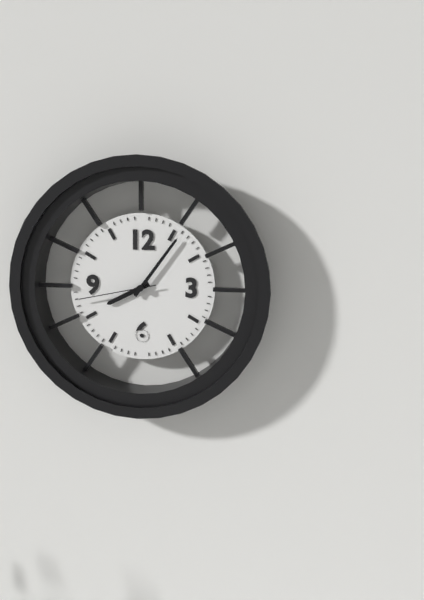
{"hour": 8, "minute": 6, "second": 43}
